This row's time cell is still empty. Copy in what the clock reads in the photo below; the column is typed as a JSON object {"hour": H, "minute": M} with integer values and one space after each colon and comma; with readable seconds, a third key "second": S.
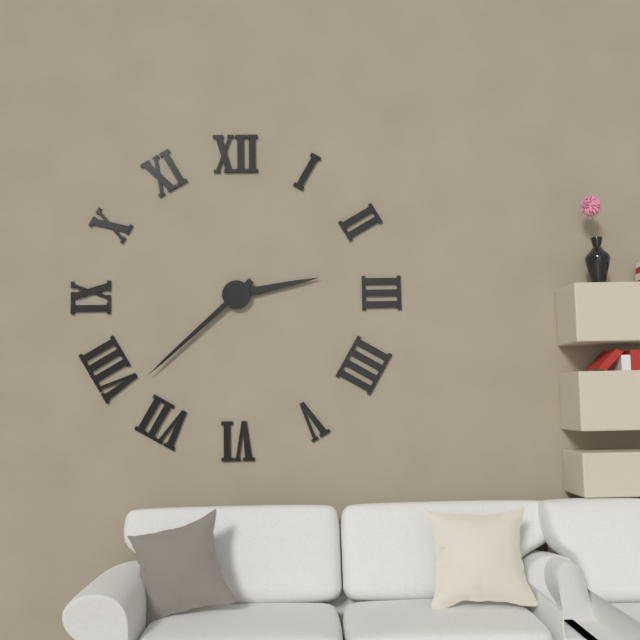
{"hour": 2, "minute": 38}
